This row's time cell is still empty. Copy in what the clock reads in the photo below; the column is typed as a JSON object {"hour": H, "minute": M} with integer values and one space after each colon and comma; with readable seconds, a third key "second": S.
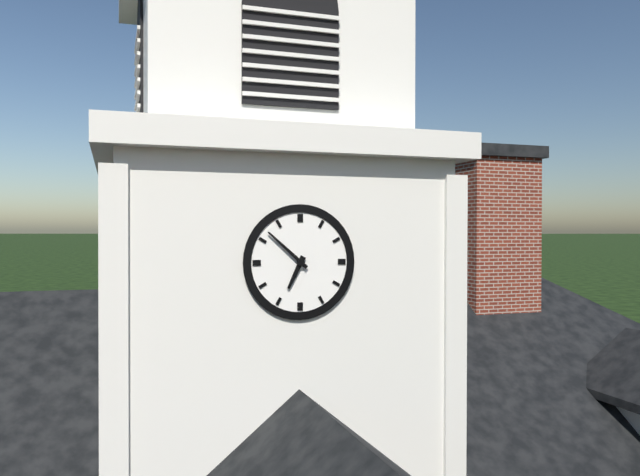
{"hour": 6, "minute": 52}
